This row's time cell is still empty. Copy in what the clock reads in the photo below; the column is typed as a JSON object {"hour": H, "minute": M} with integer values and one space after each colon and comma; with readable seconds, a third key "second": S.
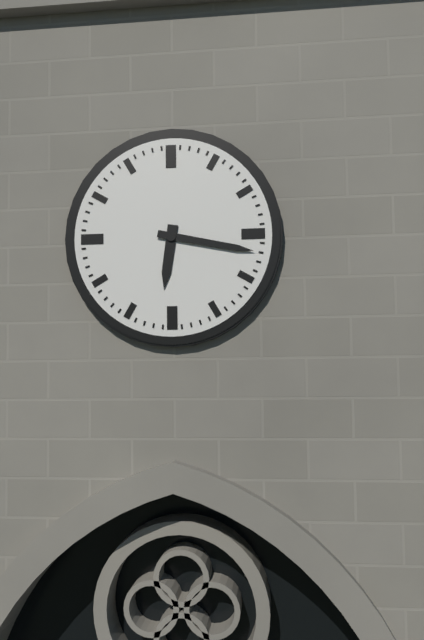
{"hour": 6, "minute": 17}
